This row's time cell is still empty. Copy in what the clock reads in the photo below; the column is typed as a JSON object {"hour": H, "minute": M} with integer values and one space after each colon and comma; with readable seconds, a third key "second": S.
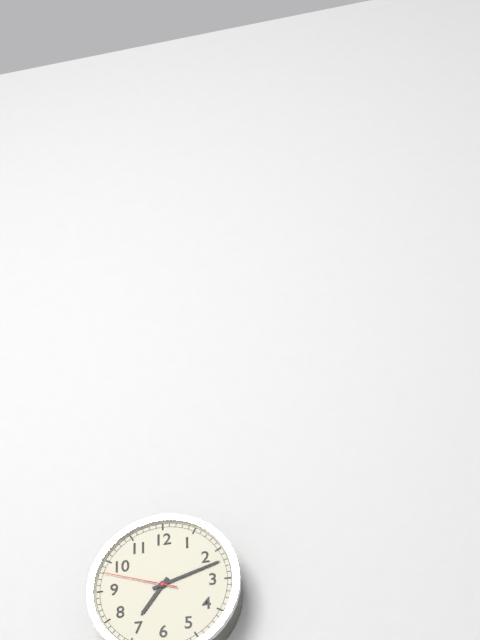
{"hour": 7, "minute": 12, "second": 48}
